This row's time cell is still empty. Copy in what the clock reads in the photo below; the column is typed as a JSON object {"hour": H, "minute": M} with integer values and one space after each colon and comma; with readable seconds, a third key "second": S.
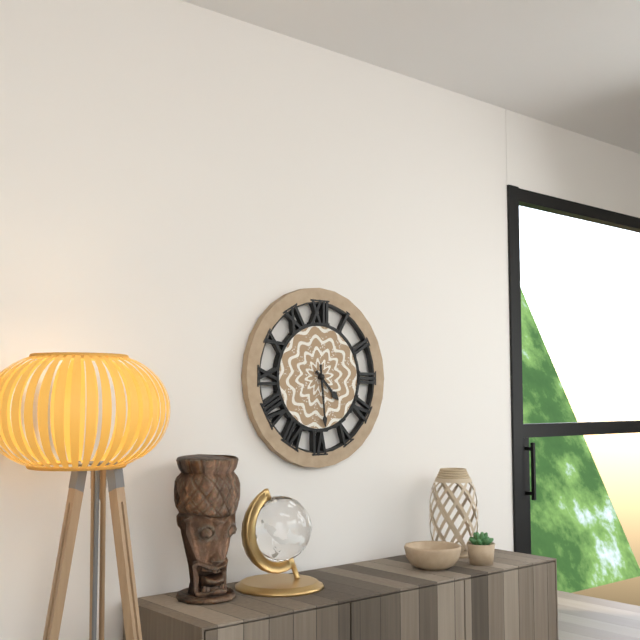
{"hour": 4, "minute": 29}
